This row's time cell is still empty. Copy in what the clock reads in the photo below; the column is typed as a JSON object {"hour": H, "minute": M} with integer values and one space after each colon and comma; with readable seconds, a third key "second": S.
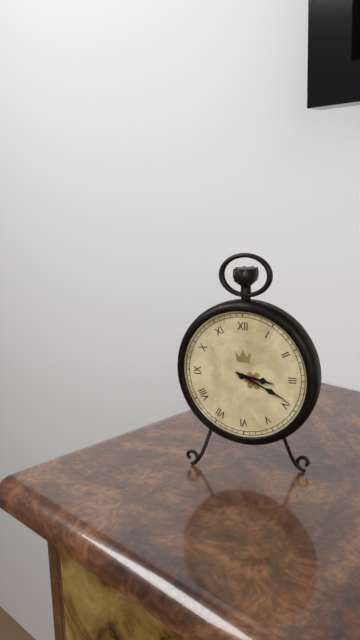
{"hour": 3, "minute": 19}
